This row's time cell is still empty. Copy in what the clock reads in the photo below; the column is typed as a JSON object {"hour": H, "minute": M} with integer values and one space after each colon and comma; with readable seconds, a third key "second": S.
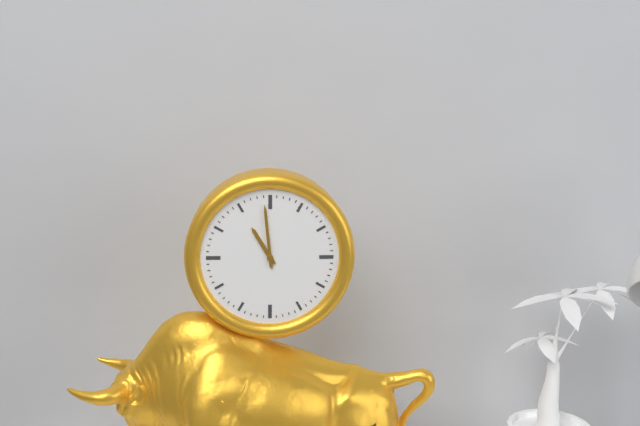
{"hour": 10, "minute": 59}
